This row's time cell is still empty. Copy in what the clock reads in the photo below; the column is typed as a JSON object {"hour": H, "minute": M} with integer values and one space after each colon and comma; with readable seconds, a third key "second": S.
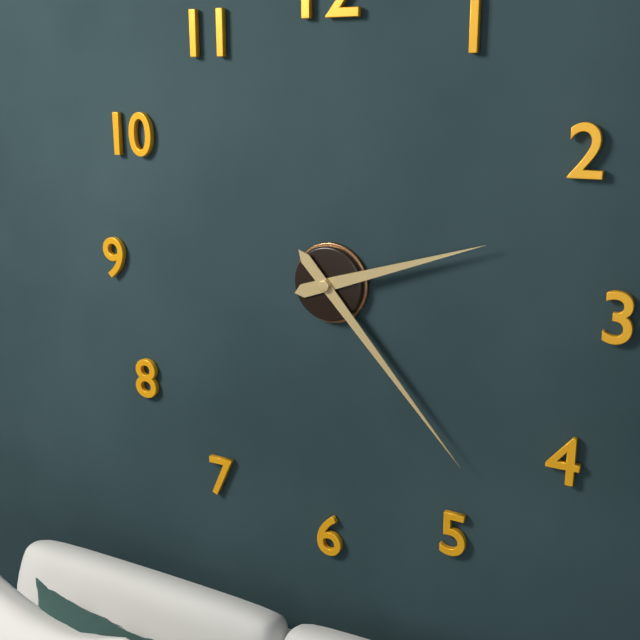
{"hour": 2, "minute": 23}
